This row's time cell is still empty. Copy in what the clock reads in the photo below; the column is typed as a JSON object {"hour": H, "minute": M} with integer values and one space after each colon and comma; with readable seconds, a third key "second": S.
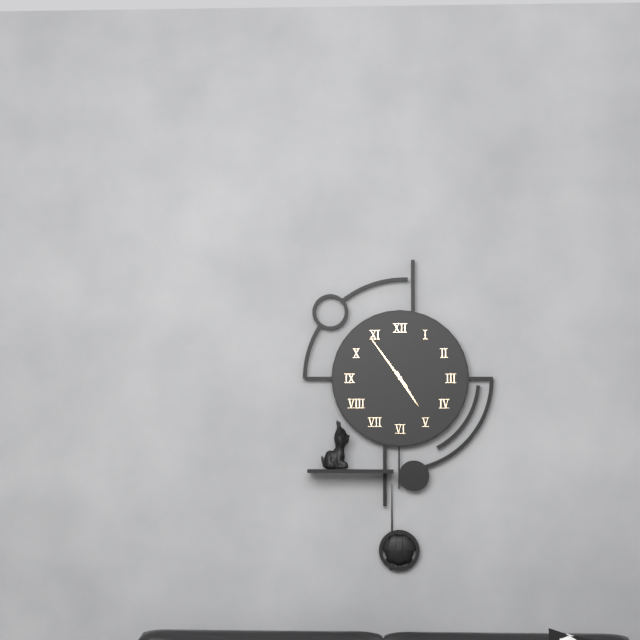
{"hour": 4, "minute": 54}
